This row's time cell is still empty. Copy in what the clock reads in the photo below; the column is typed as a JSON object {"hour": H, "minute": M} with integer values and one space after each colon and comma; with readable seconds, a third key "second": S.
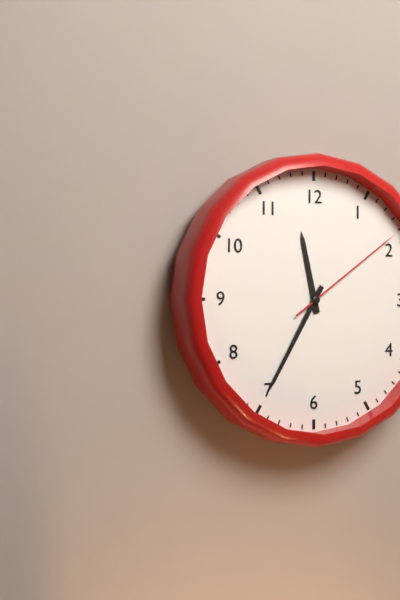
{"hour": 11, "minute": 35, "second": 9}
